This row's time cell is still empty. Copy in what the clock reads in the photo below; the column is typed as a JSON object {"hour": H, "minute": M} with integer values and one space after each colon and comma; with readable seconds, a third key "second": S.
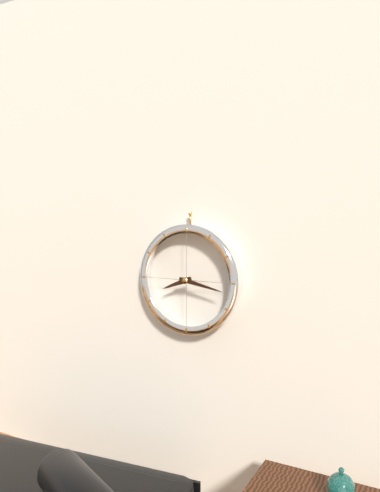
{"hour": 8, "minute": 17}
